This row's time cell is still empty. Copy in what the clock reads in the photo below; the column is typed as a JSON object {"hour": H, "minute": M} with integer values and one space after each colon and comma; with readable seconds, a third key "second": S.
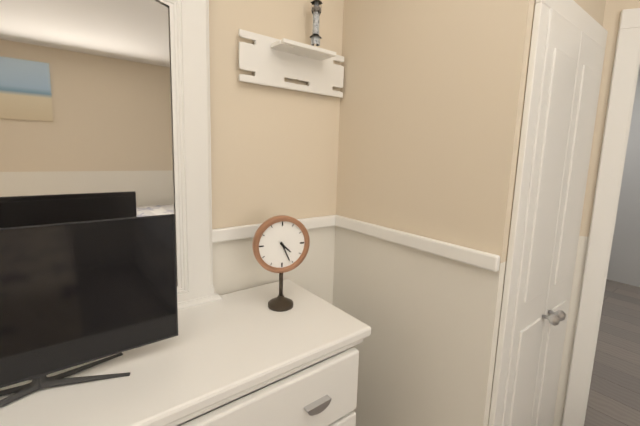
{"hour": 4, "minute": 26}
